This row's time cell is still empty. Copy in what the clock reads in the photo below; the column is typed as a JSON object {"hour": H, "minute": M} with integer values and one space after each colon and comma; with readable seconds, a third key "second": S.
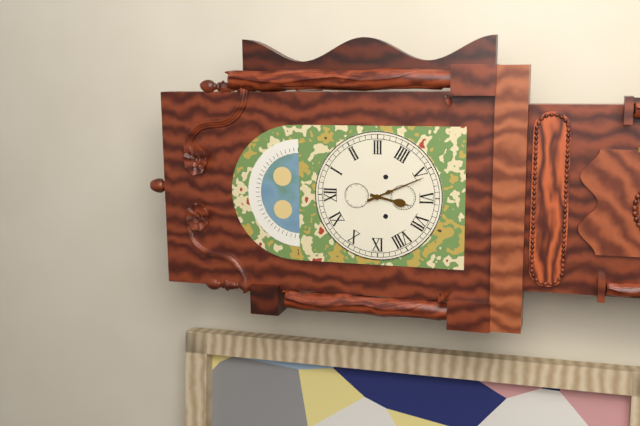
{"hour": 6, "minute": 26}
